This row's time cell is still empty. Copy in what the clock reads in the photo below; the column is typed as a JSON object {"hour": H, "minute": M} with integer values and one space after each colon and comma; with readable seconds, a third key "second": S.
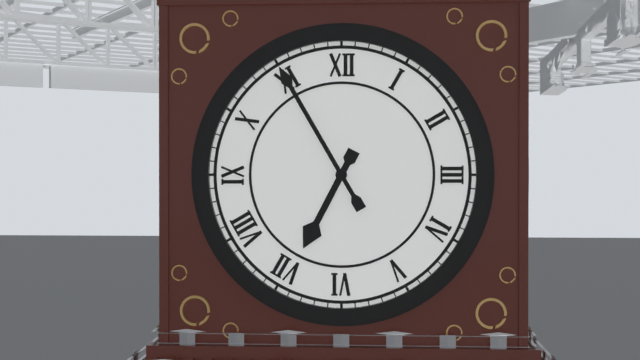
{"hour": 6, "minute": 55}
